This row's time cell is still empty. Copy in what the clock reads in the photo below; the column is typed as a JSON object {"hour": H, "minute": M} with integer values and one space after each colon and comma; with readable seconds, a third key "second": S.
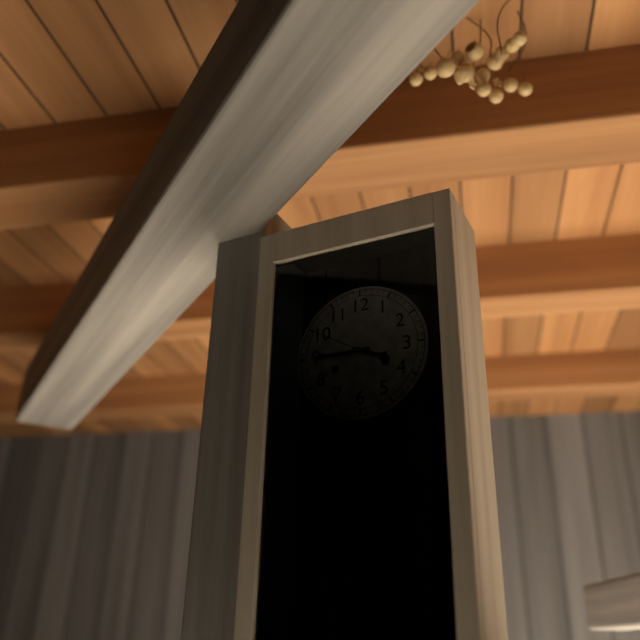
{"hour": 3, "minute": 45, "second": 50}
